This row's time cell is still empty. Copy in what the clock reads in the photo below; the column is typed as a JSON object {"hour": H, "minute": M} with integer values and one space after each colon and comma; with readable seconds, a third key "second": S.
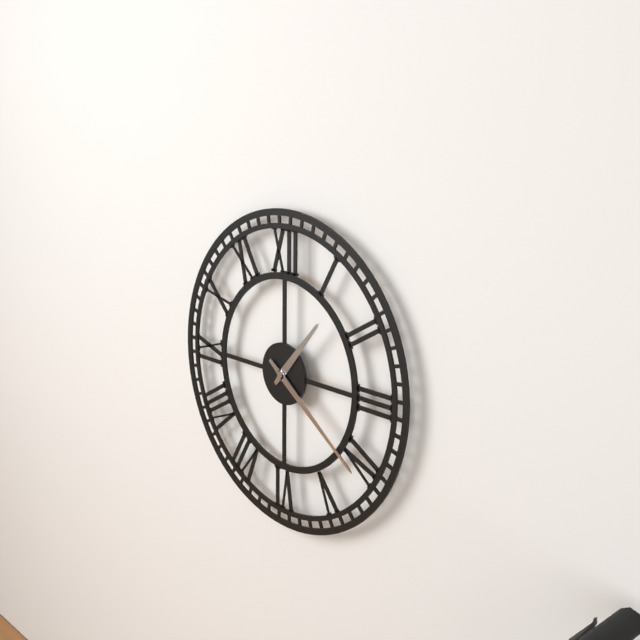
{"hour": 1, "minute": 21}
